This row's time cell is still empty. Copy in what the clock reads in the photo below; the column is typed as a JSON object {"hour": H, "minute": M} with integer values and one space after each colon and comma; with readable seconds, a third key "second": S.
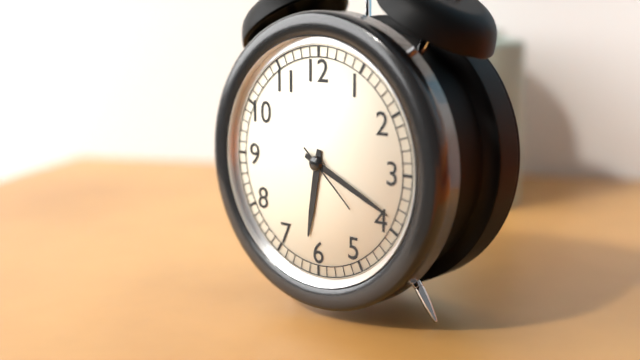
{"hour": 6, "minute": 19, "second": 22}
